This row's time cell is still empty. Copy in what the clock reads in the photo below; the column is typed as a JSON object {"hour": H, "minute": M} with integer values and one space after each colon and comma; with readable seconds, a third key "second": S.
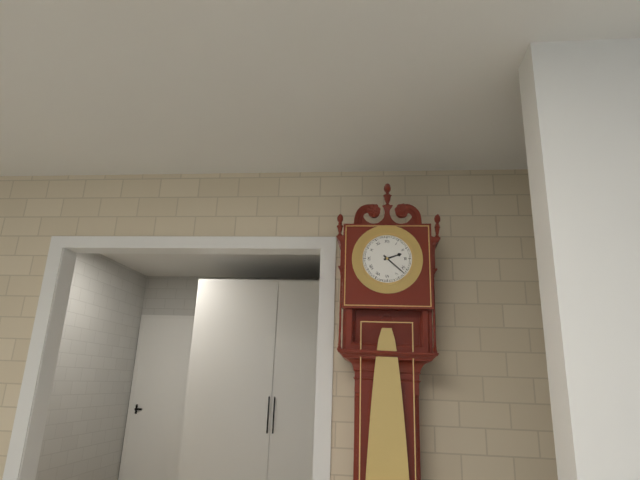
{"hour": 2, "minute": 22}
